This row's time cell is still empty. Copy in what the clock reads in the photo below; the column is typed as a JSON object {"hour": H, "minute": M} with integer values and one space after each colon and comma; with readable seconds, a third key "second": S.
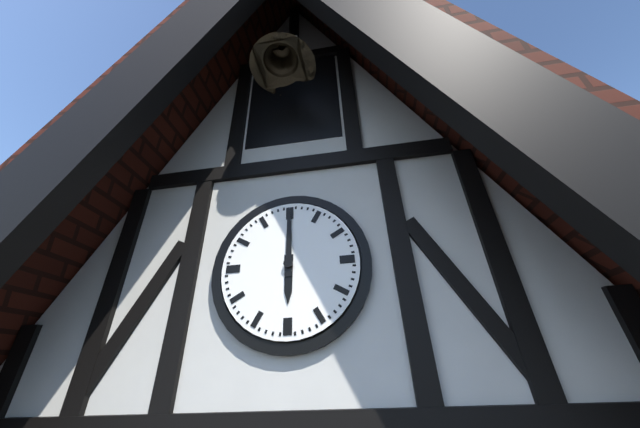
{"hour": 6, "minute": 0}
